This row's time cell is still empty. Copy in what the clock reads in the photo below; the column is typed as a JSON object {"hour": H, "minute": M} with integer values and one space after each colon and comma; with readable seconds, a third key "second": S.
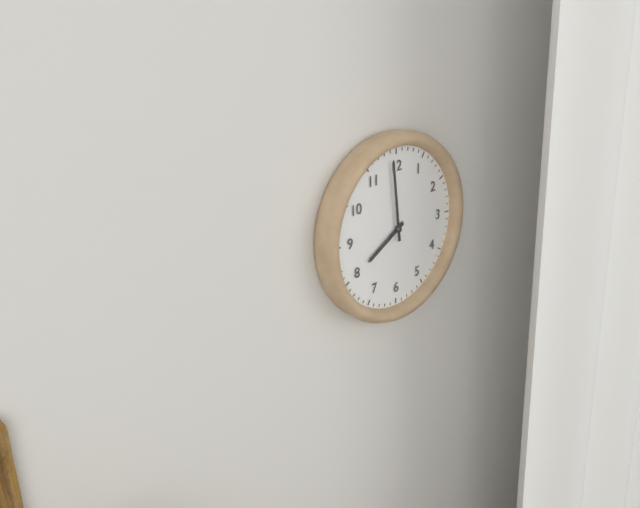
{"hour": 7, "minute": 59}
